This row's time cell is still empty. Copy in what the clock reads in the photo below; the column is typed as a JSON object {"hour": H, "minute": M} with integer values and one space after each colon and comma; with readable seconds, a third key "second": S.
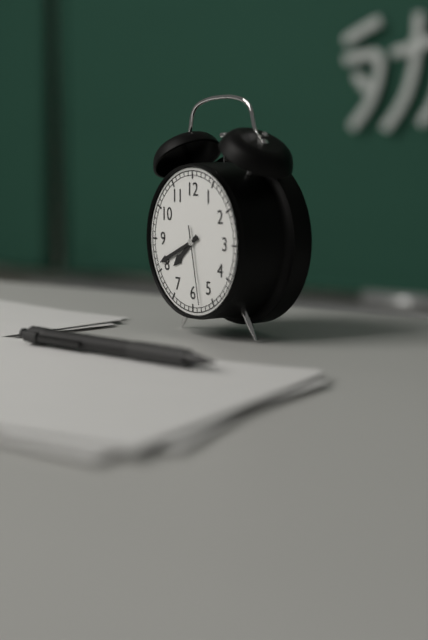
{"hour": 7, "minute": 41, "second": 28}
